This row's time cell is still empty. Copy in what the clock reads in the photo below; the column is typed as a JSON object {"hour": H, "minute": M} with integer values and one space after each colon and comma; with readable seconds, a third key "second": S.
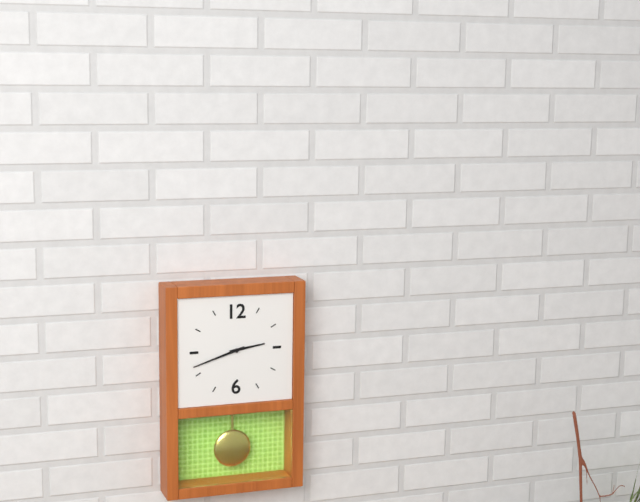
{"hour": 2, "minute": 42}
